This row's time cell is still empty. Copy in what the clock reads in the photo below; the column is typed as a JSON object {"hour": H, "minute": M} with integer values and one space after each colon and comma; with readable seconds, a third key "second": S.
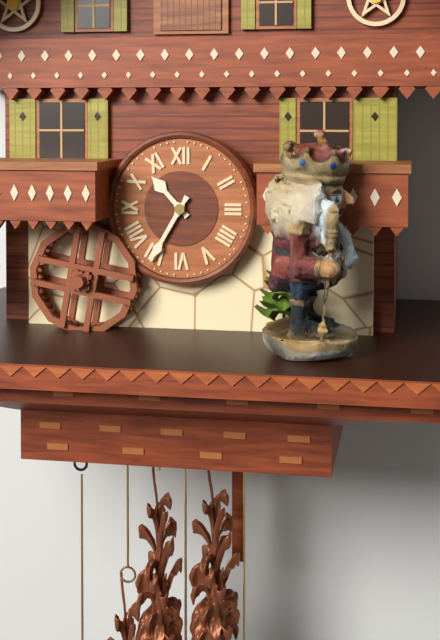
{"hour": 10, "minute": 35}
